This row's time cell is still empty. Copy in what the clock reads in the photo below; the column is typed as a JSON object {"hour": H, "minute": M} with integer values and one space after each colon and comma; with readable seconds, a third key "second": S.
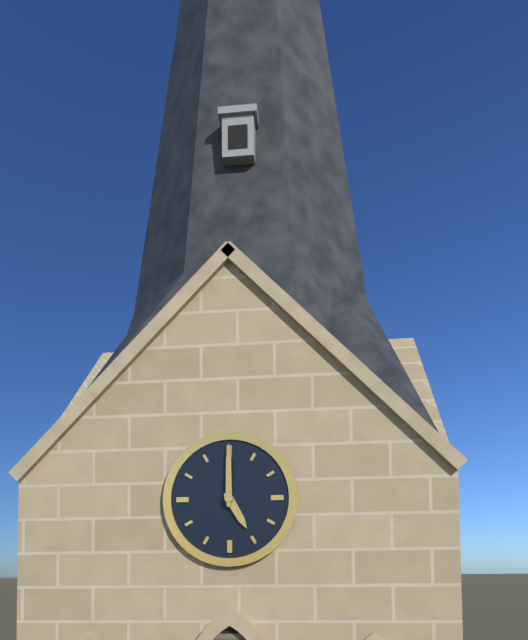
{"hour": 5, "minute": 0}
